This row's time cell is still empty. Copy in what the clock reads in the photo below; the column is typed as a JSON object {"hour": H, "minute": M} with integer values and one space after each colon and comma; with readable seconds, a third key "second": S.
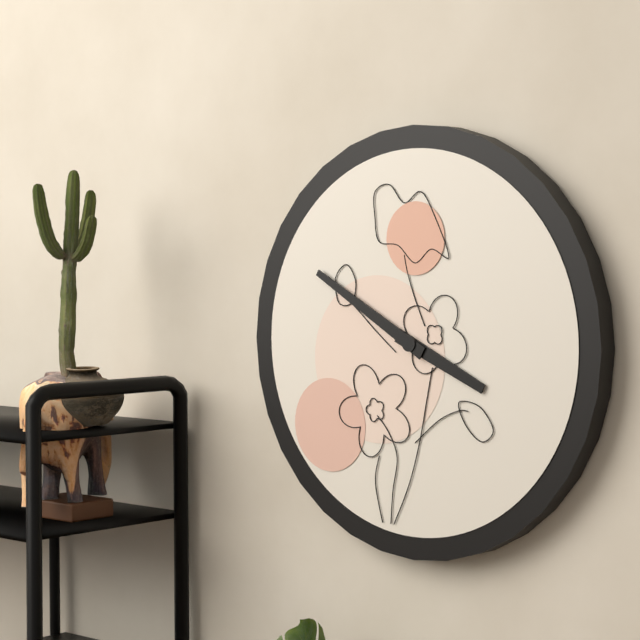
{"hour": 3, "minute": 50}
